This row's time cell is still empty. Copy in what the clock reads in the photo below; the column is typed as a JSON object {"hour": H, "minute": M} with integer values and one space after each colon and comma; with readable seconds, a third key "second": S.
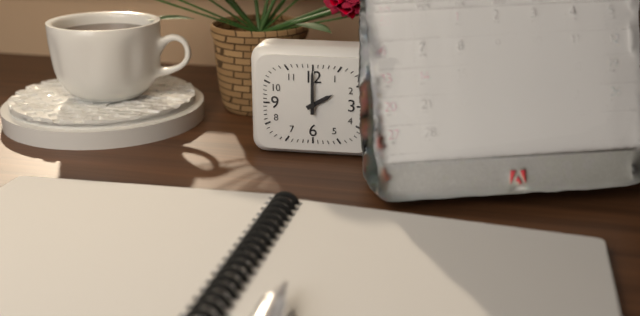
{"hour": 2, "minute": 0}
